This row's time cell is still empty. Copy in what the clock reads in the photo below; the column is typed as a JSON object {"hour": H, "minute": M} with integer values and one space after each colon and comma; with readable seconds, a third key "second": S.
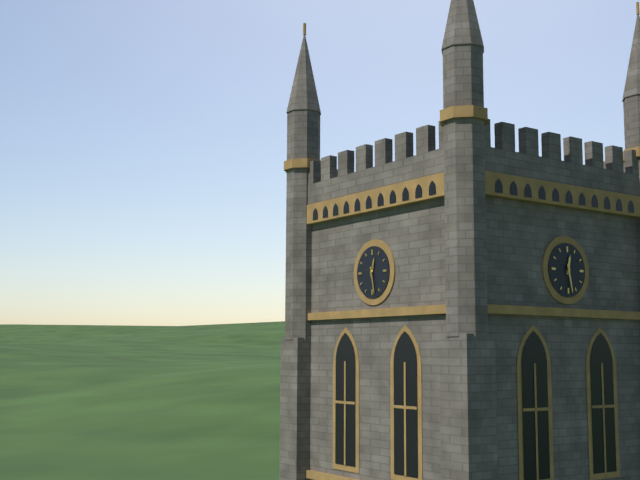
{"hour": 12, "minute": 28}
